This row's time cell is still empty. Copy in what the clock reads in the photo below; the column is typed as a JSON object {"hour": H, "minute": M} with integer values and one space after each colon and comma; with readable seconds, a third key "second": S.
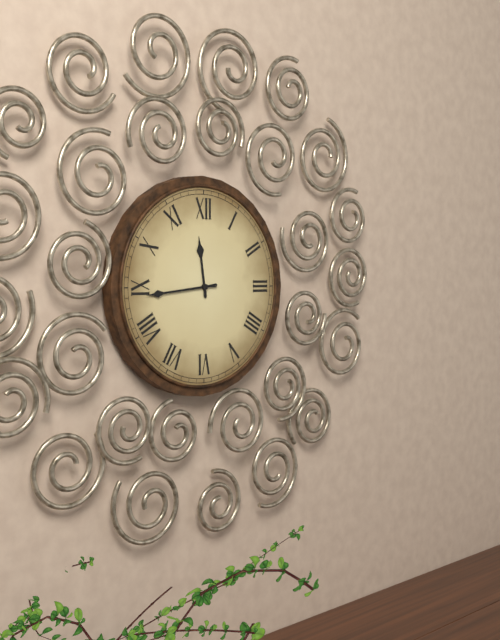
{"hour": 11, "minute": 44}
